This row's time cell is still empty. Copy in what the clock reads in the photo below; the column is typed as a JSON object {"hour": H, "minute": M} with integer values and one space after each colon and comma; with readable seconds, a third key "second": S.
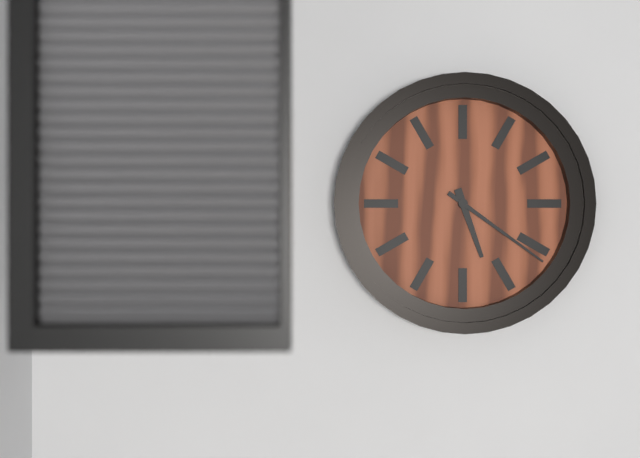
{"hour": 5, "minute": 21}
